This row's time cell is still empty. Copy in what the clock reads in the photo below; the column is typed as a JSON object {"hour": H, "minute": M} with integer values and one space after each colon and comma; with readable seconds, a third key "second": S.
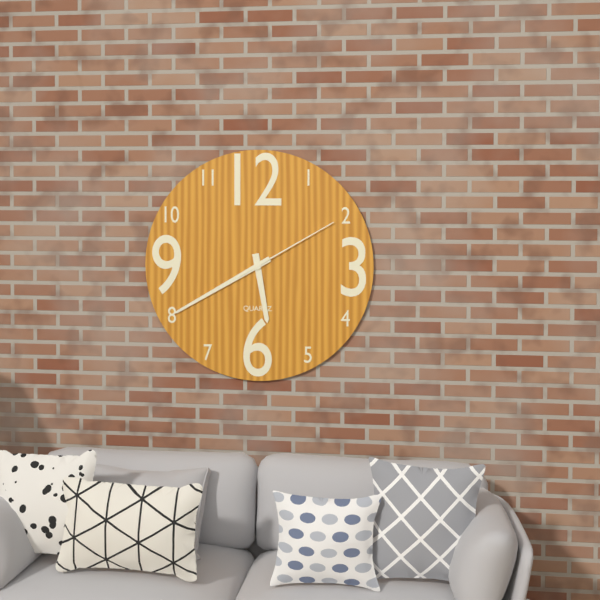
{"hour": 5, "minute": 40, "second": 10}
